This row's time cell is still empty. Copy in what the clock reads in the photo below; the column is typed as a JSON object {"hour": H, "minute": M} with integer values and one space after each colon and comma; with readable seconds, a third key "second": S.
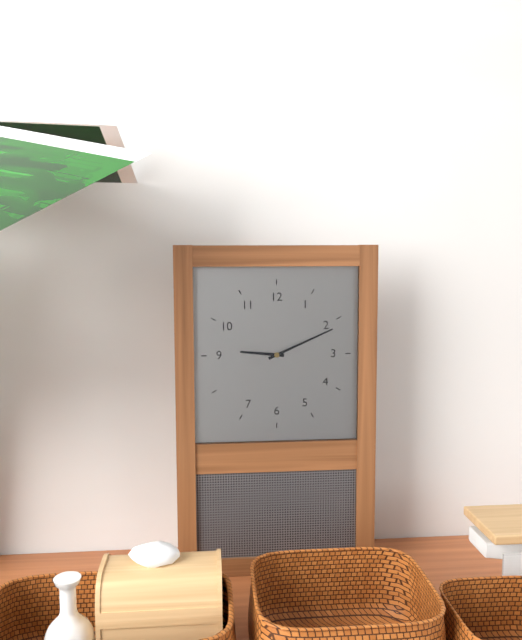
{"hour": 9, "minute": 11}
